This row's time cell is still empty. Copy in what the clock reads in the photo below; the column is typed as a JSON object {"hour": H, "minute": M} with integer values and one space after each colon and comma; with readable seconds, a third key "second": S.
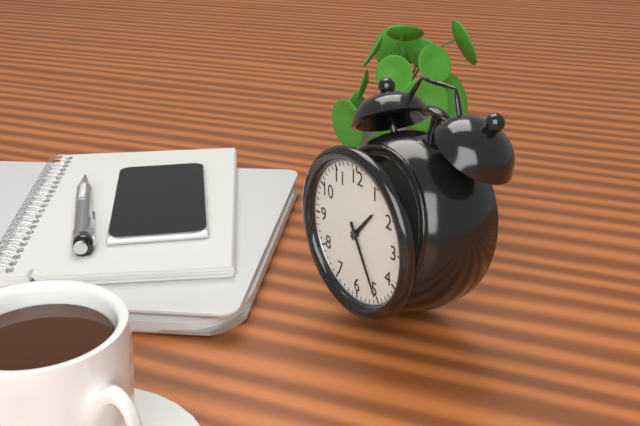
{"hour": 1, "minute": 25}
